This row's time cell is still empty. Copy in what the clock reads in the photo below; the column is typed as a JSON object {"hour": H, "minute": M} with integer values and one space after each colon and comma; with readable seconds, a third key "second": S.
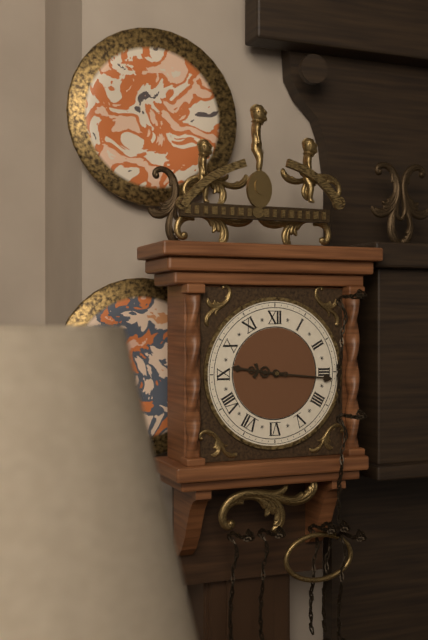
{"hour": 9, "minute": 16}
